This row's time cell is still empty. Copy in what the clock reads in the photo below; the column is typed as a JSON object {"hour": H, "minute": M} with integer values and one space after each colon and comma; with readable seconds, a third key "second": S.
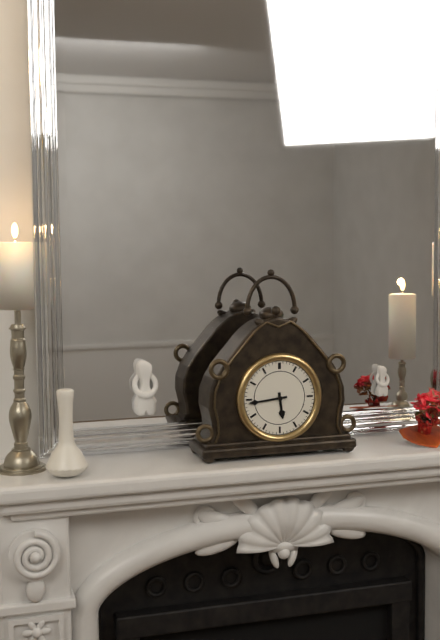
{"hour": 5, "minute": 44}
